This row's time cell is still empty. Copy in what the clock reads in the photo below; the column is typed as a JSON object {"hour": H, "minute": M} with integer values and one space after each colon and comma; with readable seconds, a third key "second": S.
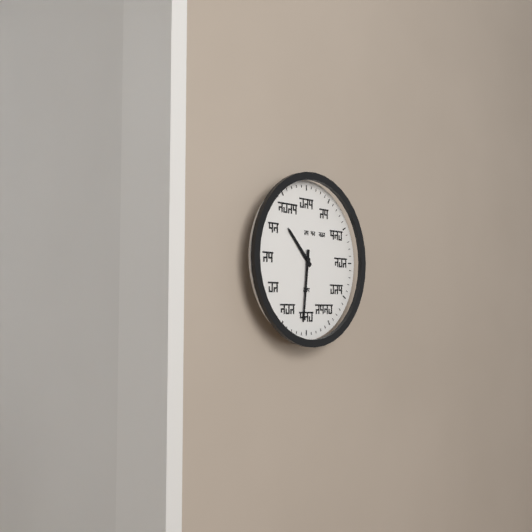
{"hour": 10, "minute": 31}
